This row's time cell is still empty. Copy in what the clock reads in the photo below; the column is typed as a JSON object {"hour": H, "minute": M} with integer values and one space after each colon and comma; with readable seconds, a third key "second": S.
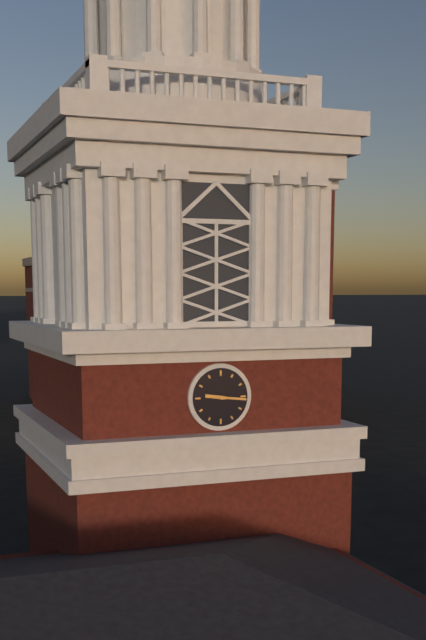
{"hour": 9, "minute": 16}
